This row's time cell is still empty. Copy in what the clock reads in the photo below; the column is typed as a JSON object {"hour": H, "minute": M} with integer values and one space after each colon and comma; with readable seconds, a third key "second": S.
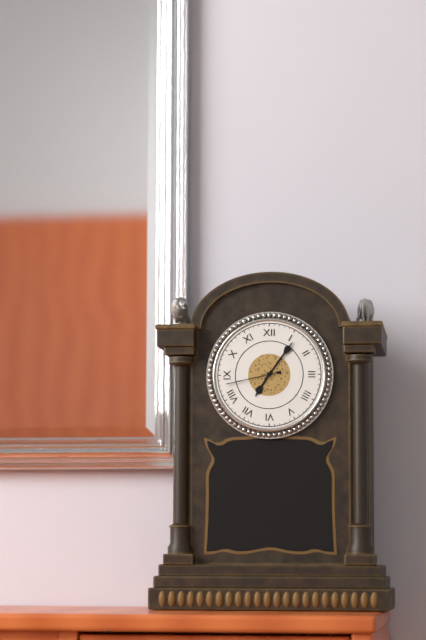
{"hour": 7, "minute": 6, "second": 43}
